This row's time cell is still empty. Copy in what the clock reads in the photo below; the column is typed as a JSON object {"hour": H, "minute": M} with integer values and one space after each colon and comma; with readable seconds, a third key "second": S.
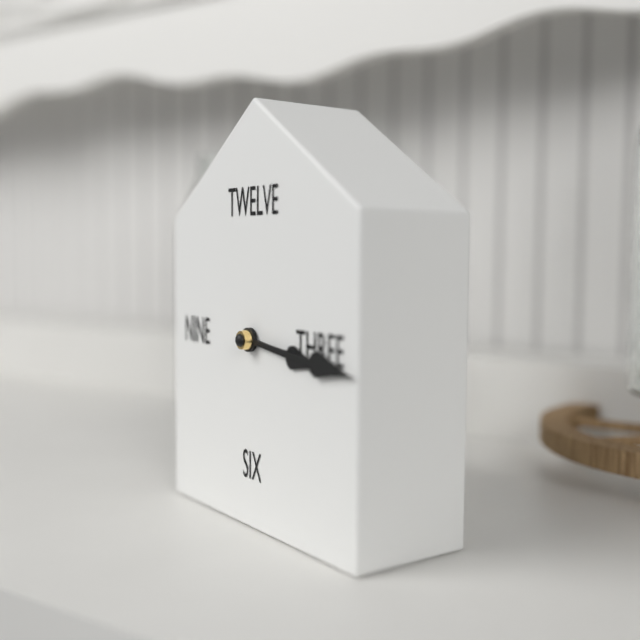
{"hour": 3, "minute": 16}
